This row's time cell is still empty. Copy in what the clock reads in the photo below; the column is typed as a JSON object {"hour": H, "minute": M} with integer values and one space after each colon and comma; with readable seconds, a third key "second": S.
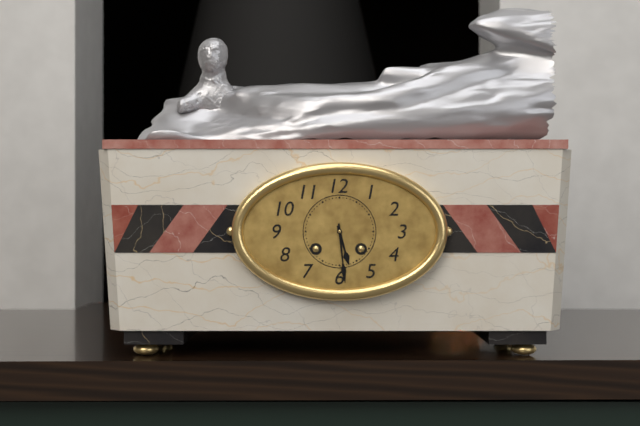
{"hour": 5, "minute": 29}
